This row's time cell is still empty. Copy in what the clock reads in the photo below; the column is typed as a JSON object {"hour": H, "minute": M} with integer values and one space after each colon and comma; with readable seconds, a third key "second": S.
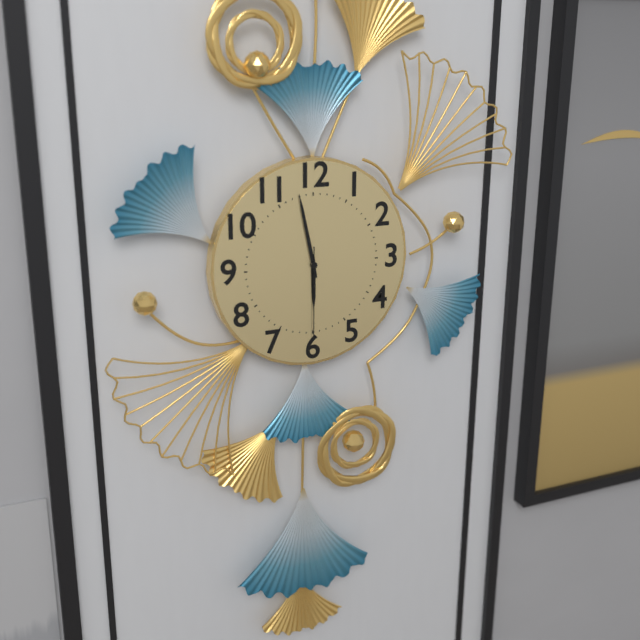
{"hour": 5, "minute": 58, "second": 30}
